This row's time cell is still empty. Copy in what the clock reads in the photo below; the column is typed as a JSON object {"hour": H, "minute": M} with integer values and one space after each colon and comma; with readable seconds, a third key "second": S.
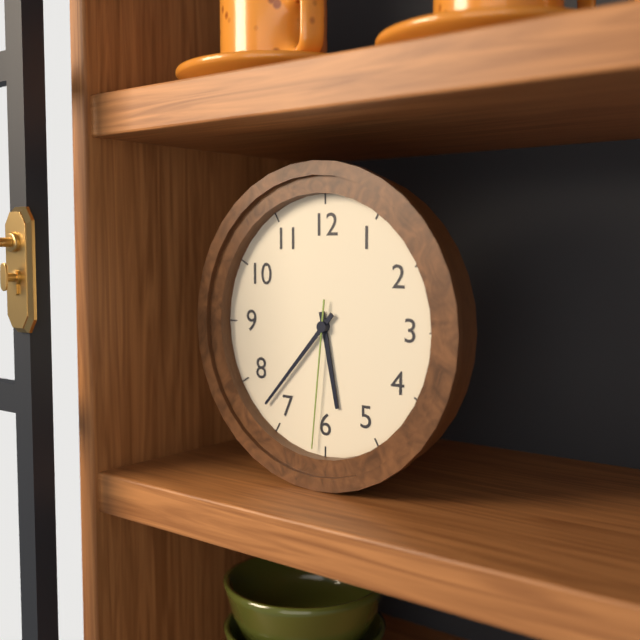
{"hour": 5, "minute": 37, "second": 31}
